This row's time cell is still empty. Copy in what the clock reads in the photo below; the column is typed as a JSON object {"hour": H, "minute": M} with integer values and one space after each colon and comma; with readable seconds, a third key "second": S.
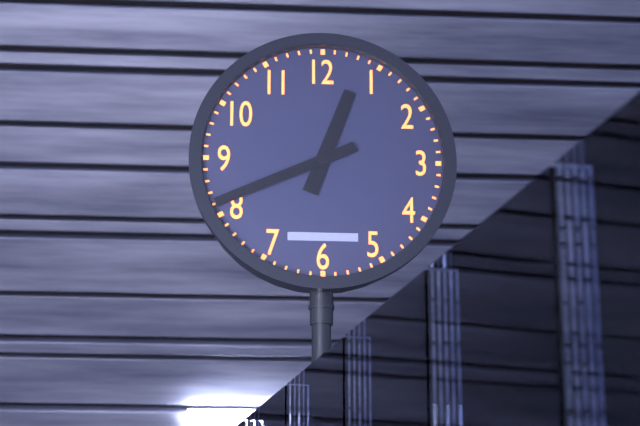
{"hour": 12, "minute": 41}
